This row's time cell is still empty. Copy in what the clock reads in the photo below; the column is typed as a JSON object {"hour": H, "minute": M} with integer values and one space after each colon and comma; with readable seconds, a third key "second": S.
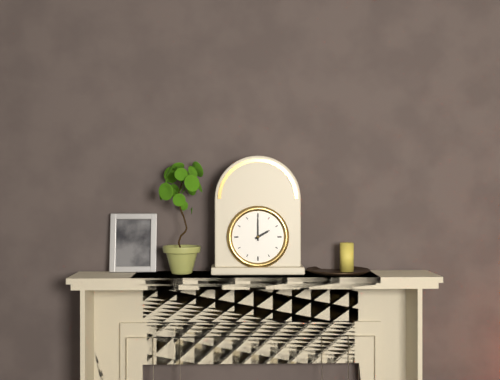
{"hour": 2, "minute": 0}
